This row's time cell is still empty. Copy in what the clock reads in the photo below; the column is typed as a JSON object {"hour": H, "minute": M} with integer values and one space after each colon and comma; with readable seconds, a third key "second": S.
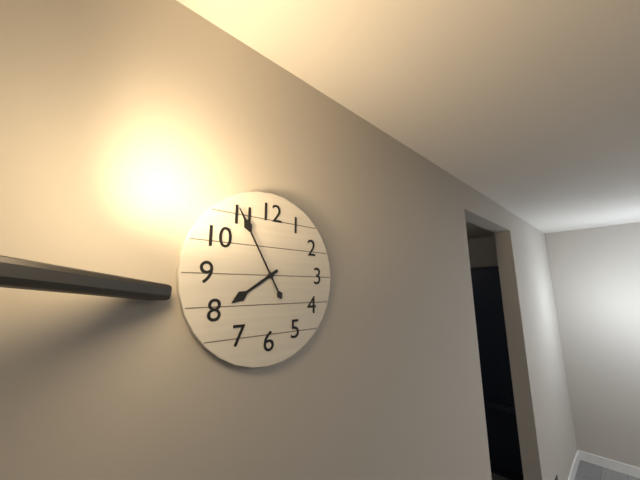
{"hour": 7, "minute": 55}
